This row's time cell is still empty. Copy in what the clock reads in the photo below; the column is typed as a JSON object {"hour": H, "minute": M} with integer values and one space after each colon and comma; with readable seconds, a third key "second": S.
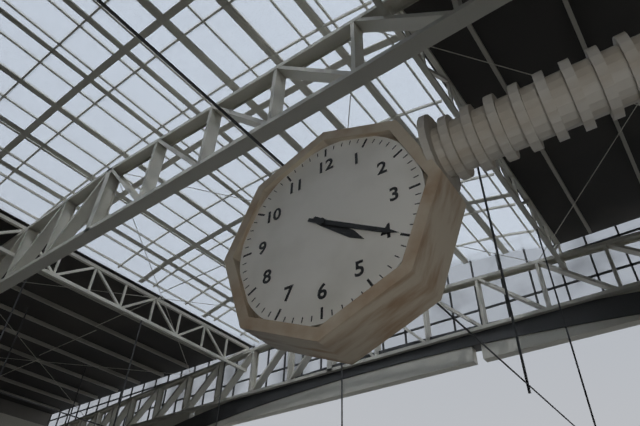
{"hour": 4, "minute": 20}
